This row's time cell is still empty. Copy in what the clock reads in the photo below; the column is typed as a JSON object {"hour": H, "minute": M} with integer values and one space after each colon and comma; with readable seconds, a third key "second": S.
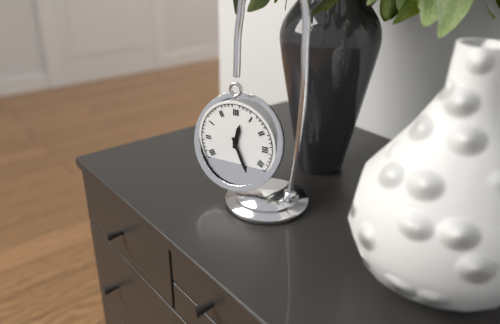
{"hour": 12, "minute": 26}
